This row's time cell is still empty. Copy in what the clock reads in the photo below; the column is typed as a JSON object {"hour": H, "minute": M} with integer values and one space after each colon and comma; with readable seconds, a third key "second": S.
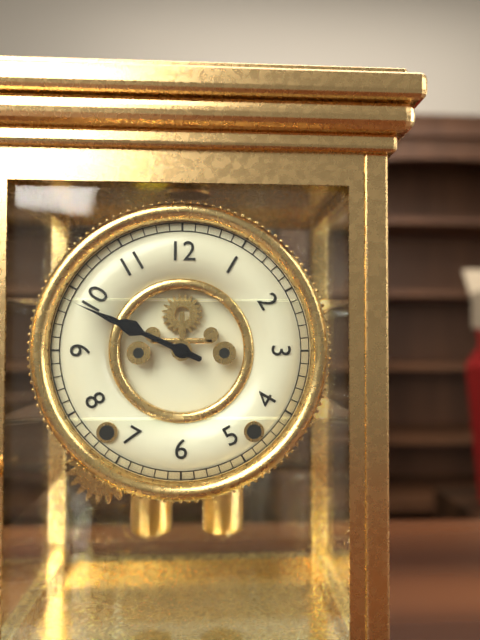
{"hour": 9, "minute": 49}
